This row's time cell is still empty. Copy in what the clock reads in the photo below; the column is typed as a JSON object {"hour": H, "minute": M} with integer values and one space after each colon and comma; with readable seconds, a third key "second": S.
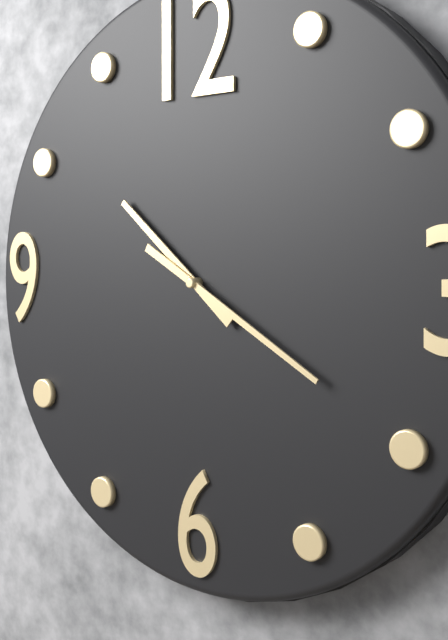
{"hour": 10, "minute": 20}
